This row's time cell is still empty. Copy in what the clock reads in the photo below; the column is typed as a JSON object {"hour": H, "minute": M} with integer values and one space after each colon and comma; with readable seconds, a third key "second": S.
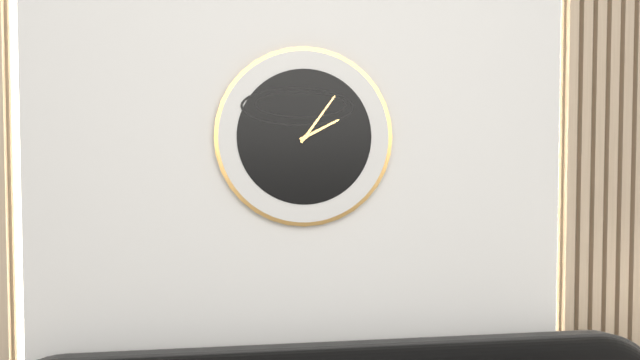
{"hour": 2, "minute": 6}
